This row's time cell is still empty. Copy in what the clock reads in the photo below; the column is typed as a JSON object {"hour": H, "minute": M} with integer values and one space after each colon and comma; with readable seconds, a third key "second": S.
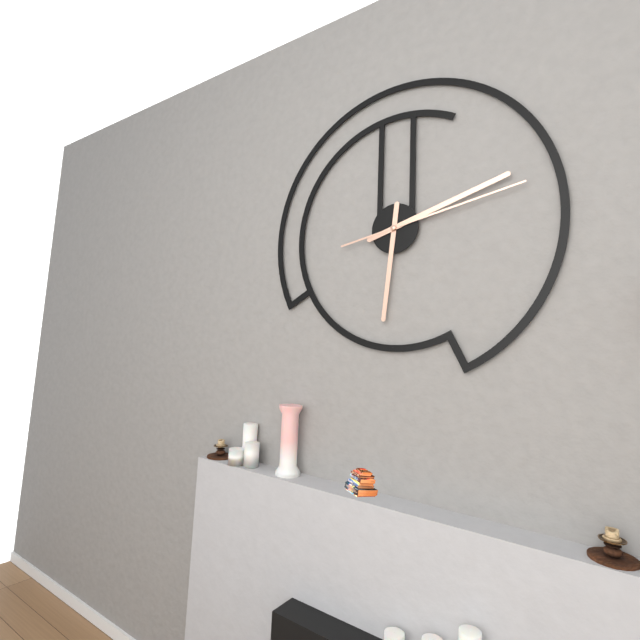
{"hour": 6, "minute": 12, "second": 13}
